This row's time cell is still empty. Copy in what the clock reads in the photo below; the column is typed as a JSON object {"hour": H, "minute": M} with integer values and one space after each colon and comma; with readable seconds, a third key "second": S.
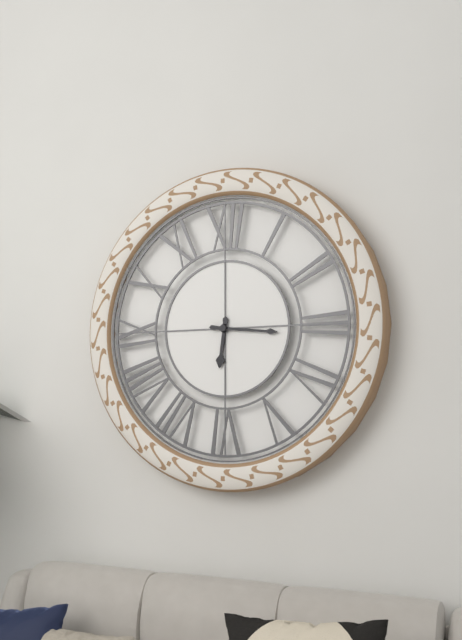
{"hour": 6, "minute": 16}
